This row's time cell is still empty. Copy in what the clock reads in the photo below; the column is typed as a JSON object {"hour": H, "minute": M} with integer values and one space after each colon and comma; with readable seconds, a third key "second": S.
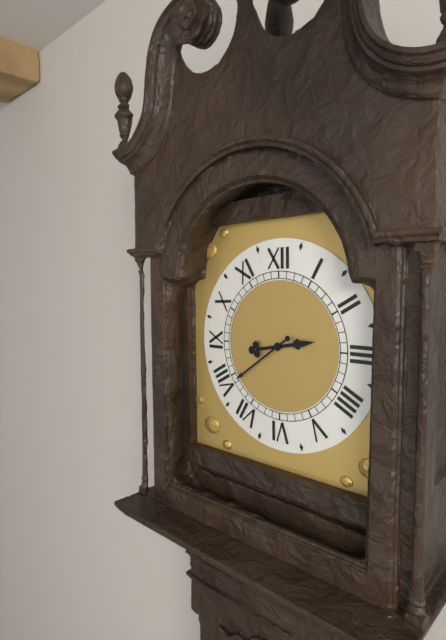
{"hour": 2, "minute": 39}
